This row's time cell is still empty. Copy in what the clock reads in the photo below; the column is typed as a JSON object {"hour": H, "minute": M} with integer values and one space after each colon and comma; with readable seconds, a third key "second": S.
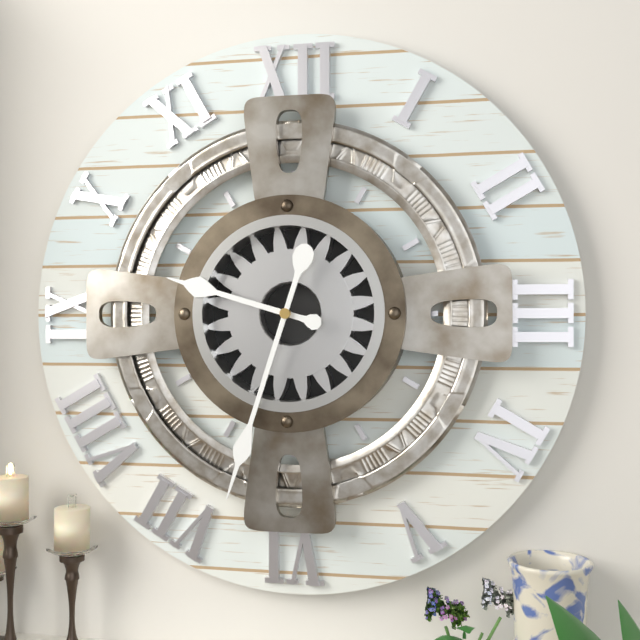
{"hour": 9, "minute": 33}
